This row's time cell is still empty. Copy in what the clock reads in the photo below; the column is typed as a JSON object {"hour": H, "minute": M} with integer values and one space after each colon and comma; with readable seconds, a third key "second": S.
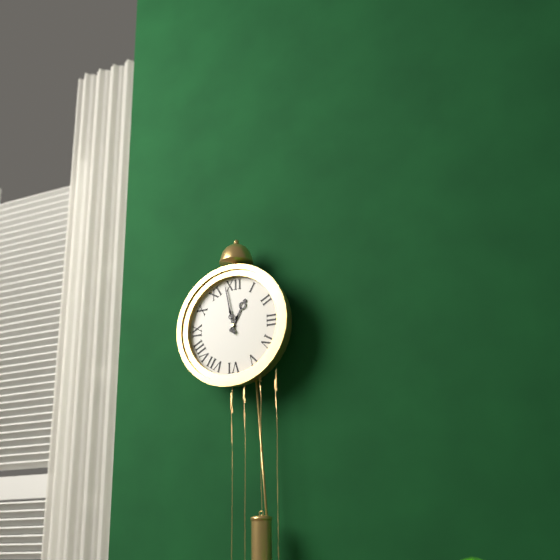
{"hour": 12, "minute": 58}
